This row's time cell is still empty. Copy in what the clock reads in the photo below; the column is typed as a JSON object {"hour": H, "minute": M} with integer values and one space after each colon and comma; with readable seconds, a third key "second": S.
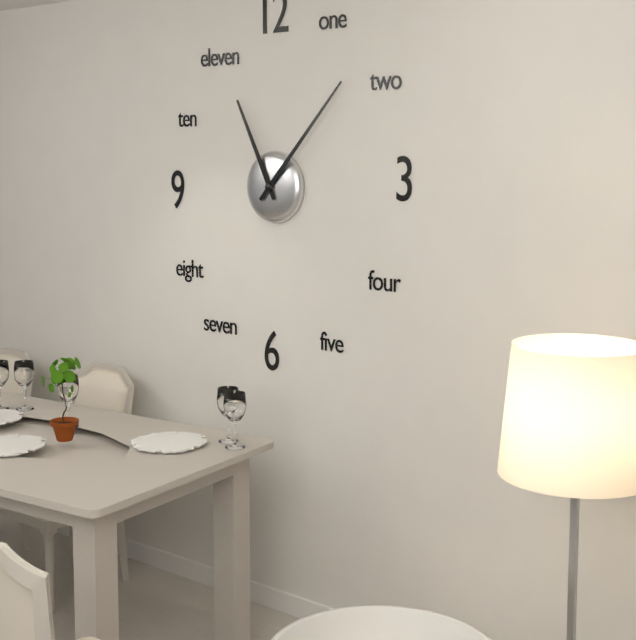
{"hour": 11, "minute": 7}
